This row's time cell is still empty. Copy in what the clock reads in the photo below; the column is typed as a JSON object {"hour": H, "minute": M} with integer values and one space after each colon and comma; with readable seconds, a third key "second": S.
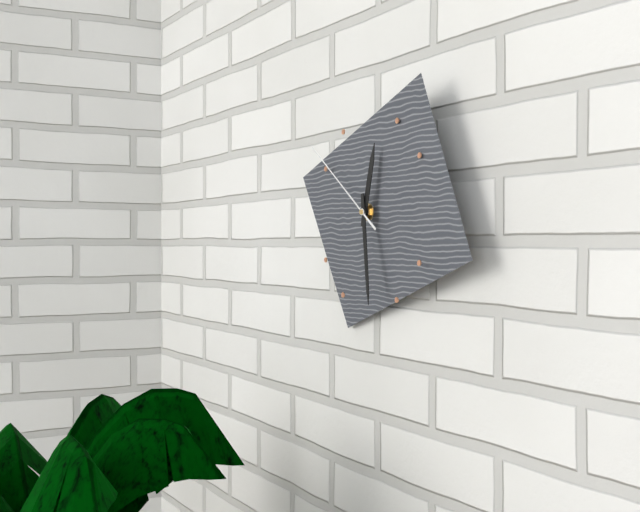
{"hour": 12, "minute": 29, "second": 51}
